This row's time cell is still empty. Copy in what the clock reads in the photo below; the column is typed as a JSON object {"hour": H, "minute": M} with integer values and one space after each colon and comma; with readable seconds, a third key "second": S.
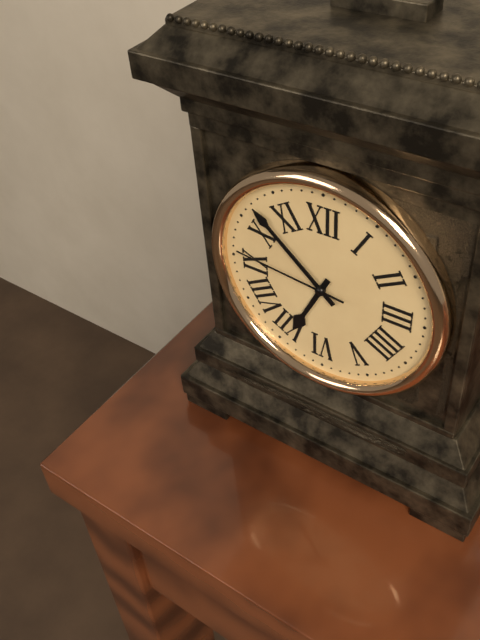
{"hour": 6, "minute": 52, "second": 46}
